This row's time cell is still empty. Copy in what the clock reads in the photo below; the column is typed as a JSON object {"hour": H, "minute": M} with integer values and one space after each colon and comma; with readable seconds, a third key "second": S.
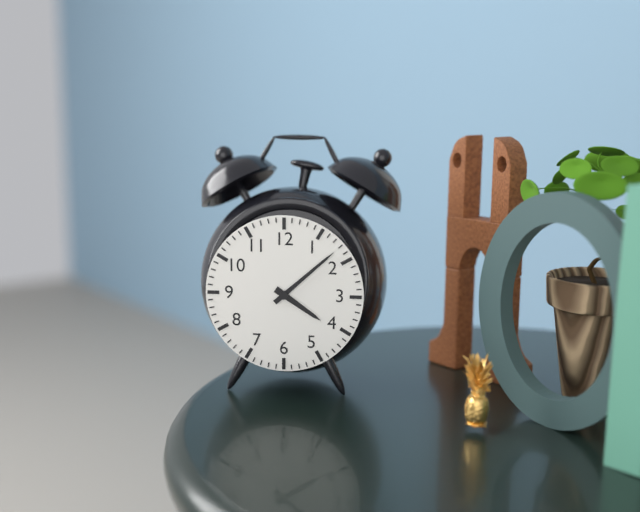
{"hour": 4, "minute": 8}
